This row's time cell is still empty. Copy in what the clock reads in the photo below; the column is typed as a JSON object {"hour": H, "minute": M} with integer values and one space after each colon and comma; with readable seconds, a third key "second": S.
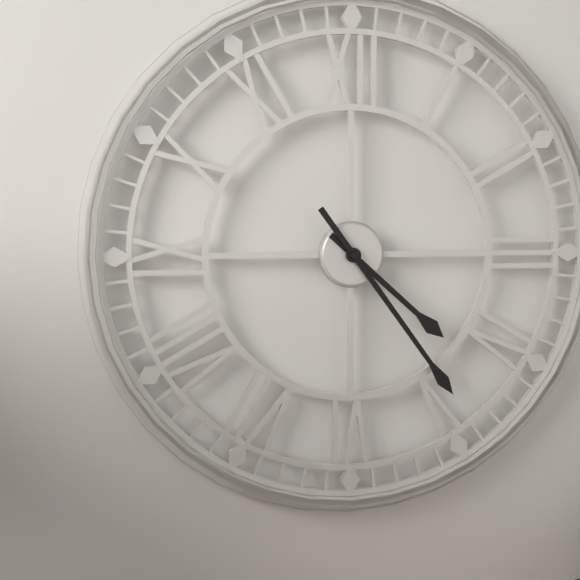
{"hour": 4, "minute": 24}
